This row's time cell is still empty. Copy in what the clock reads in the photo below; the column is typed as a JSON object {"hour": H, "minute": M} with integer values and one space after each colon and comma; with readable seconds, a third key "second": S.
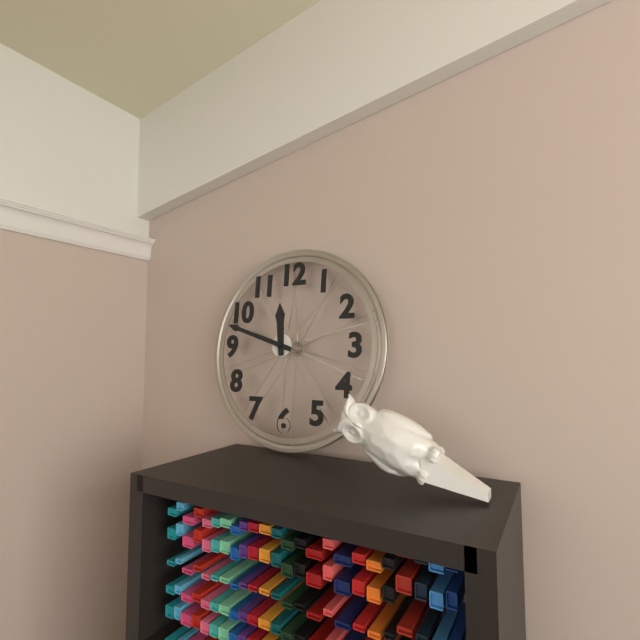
{"hour": 11, "minute": 48}
